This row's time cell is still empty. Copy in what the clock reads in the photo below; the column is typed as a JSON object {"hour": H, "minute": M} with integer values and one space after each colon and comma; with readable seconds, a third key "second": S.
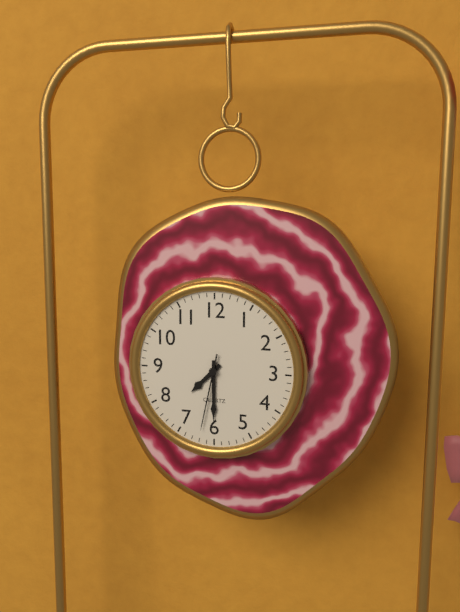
{"hour": 7, "minute": 30, "second": 32}
